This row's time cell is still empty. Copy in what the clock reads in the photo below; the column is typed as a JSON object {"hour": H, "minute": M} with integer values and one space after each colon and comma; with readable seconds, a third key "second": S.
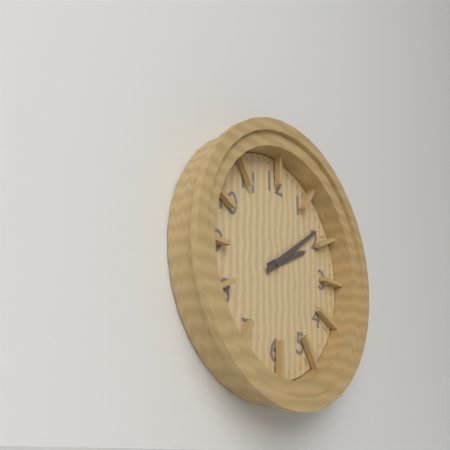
{"hour": 2, "minute": 9}
